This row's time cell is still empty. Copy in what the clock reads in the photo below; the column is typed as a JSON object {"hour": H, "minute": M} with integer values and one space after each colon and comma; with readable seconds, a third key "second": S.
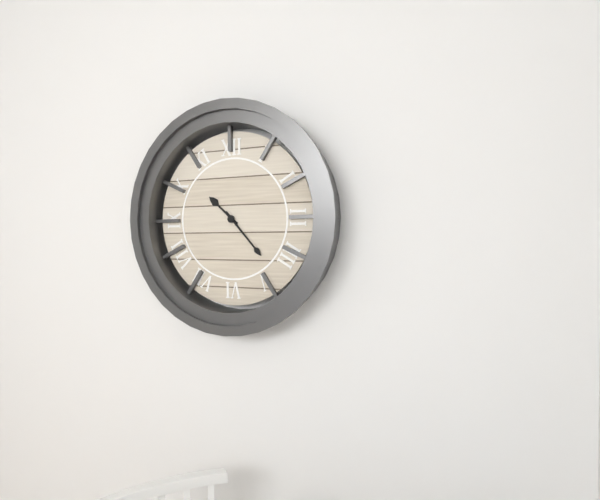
{"hour": 10, "minute": 23}
